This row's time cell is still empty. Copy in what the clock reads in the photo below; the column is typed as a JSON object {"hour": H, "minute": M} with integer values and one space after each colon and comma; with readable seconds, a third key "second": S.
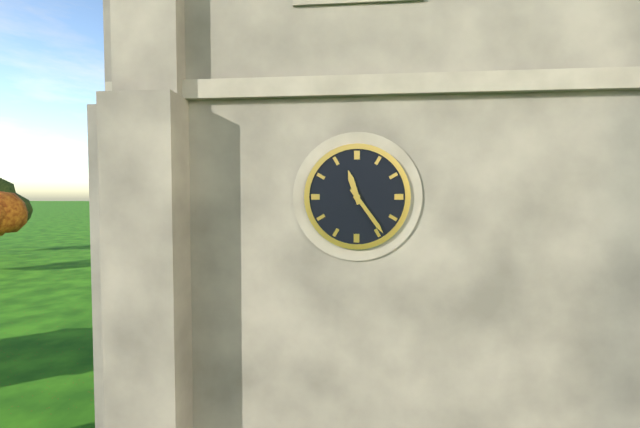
{"hour": 11, "minute": 24}
